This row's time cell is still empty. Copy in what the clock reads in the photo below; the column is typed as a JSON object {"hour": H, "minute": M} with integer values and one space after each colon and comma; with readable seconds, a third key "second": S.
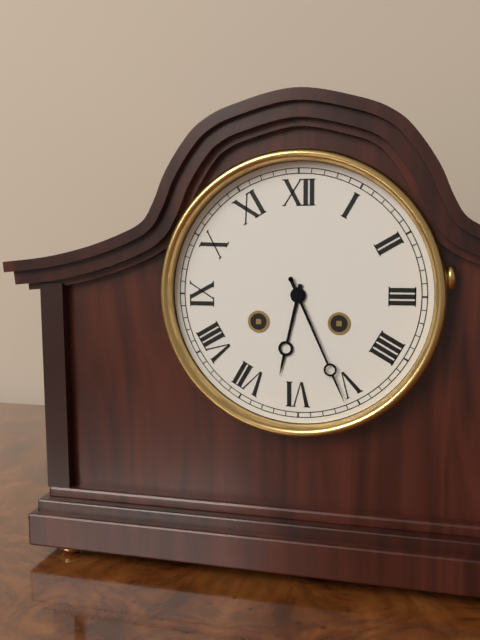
{"hour": 6, "minute": 26}
